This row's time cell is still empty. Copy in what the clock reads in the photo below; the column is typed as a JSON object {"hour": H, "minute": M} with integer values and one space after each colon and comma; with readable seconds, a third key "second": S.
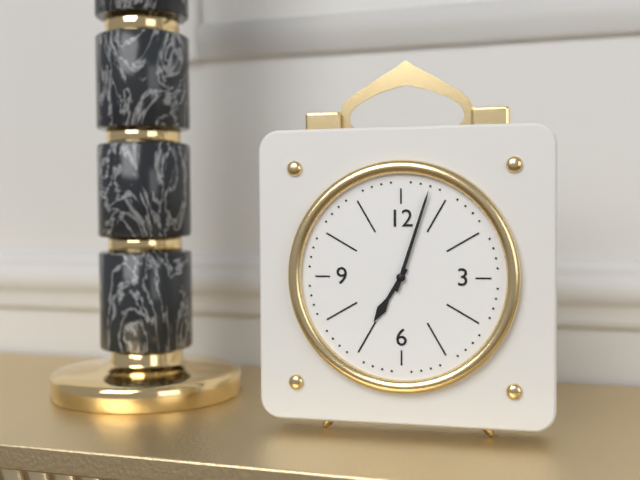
{"hour": 7, "minute": 3}
